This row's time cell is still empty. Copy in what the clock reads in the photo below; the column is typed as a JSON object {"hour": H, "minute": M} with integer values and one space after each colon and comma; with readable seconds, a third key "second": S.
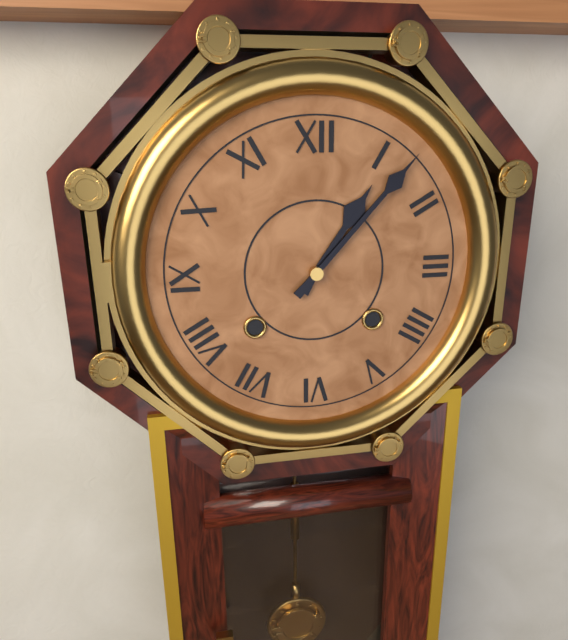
{"hour": 1, "minute": 7}
